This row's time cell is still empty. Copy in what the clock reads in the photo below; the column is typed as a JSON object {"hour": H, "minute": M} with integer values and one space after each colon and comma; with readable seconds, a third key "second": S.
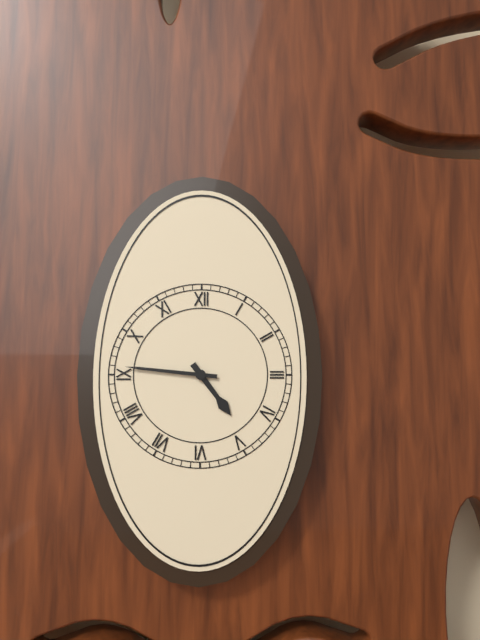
{"hour": 4, "minute": 46}
